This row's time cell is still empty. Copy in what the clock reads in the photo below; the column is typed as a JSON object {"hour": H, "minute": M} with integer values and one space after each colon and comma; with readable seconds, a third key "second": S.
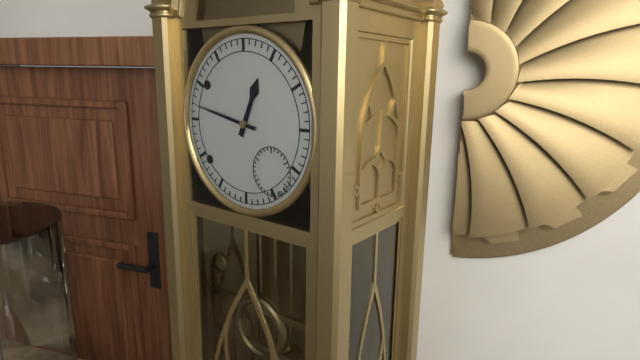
{"hour": 12, "minute": 47}
